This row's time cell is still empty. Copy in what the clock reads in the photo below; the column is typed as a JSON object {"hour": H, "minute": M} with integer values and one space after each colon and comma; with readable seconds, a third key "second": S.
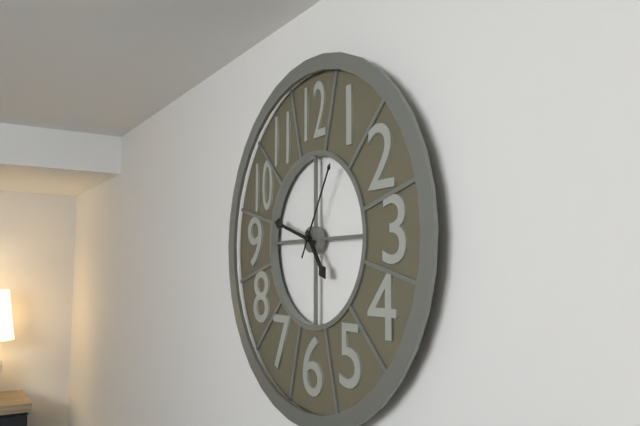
{"hour": 4, "minute": 48, "second": 5}
